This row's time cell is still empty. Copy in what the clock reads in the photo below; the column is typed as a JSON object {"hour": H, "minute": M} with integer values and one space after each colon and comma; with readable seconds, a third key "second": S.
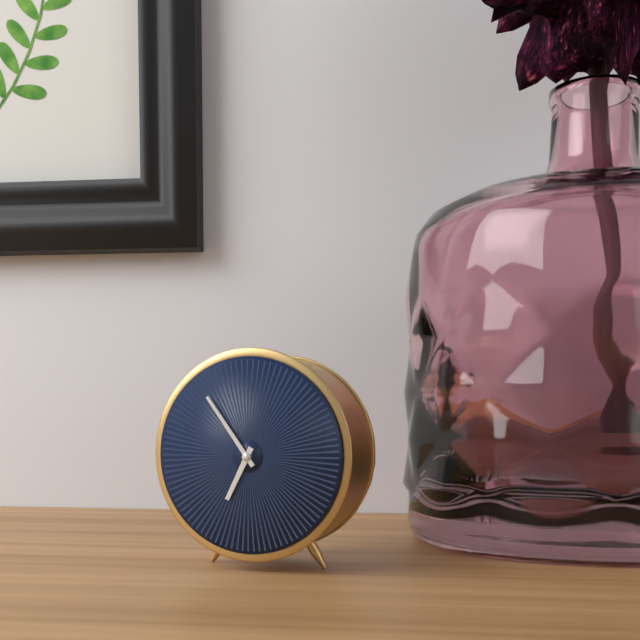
{"hour": 6, "minute": 54}
